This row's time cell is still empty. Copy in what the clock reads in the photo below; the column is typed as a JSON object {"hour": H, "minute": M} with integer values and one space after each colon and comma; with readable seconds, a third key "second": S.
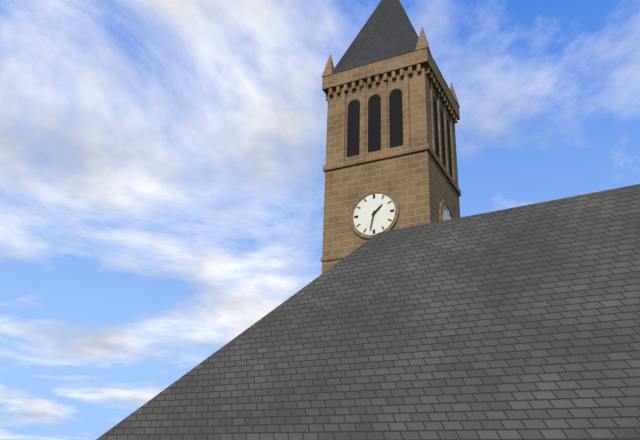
{"hour": 1, "minute": 32}
